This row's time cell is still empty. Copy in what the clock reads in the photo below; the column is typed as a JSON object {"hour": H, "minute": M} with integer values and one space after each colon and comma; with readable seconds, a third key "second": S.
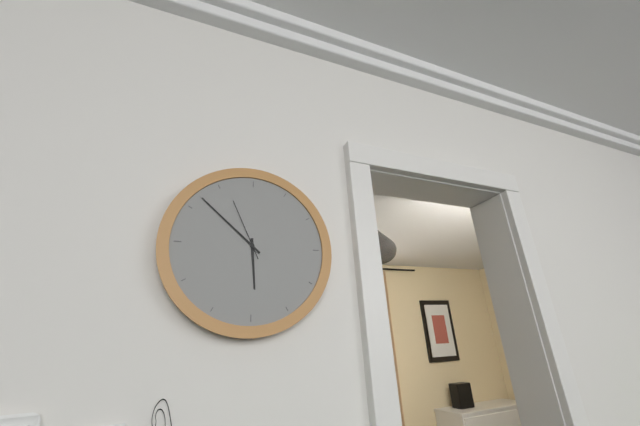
{"hour": 5, "minute": 52, "second": 56}
